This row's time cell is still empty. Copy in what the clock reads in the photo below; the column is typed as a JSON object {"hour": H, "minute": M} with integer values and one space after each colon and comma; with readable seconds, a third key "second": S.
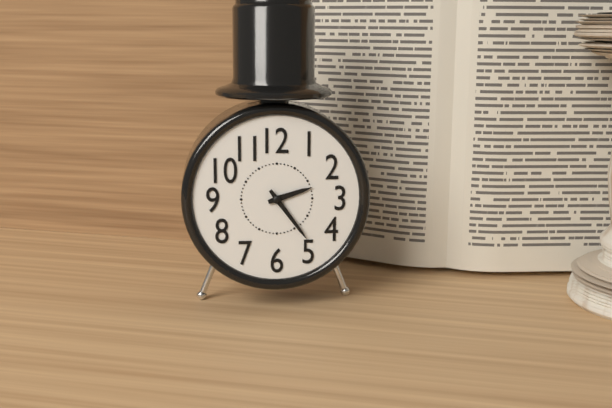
{"hour": 2, "minute": 24}
